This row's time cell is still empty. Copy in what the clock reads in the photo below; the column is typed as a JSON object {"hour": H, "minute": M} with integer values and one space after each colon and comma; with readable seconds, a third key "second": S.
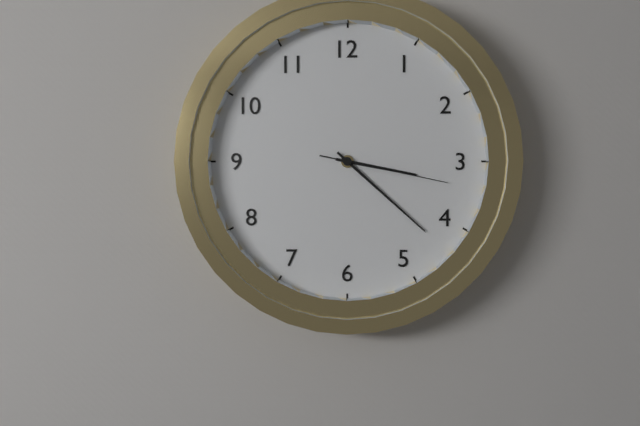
{"hour": 3, "minute": 22, "second": 17}
